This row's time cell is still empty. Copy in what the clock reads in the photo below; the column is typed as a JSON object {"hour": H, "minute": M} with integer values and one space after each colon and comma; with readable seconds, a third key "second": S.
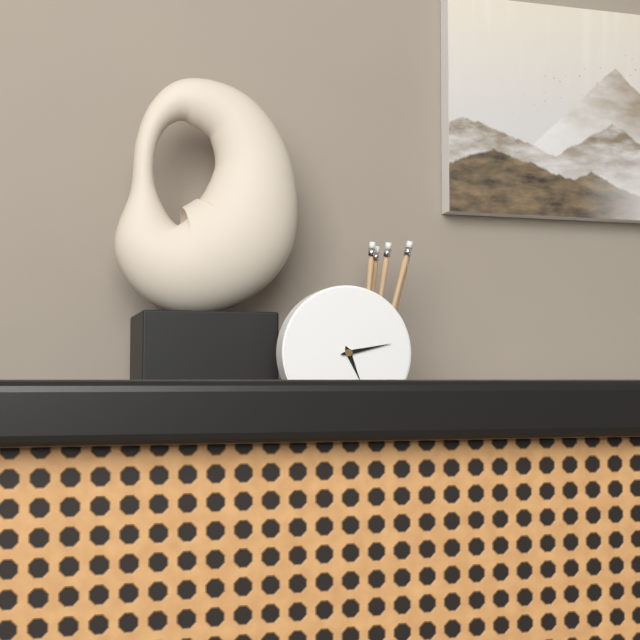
{"hour": 5, "minute": 13}
